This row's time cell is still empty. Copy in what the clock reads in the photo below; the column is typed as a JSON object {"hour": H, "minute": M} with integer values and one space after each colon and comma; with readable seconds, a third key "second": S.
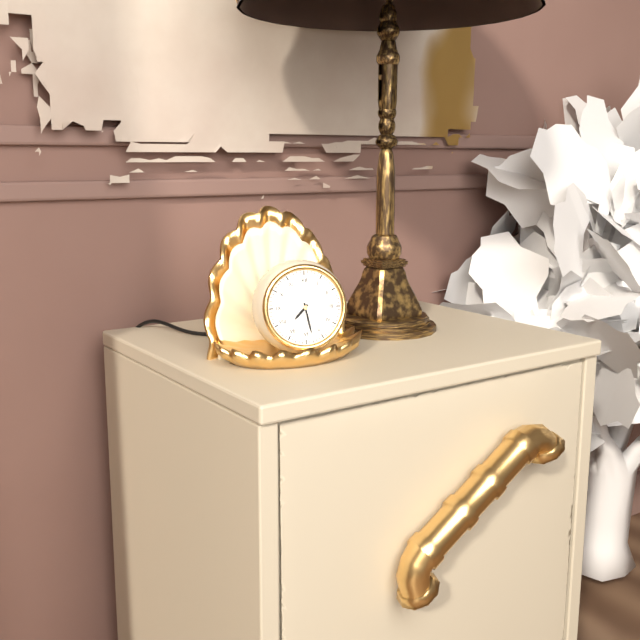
{"hour": 7, "minute": 28}
